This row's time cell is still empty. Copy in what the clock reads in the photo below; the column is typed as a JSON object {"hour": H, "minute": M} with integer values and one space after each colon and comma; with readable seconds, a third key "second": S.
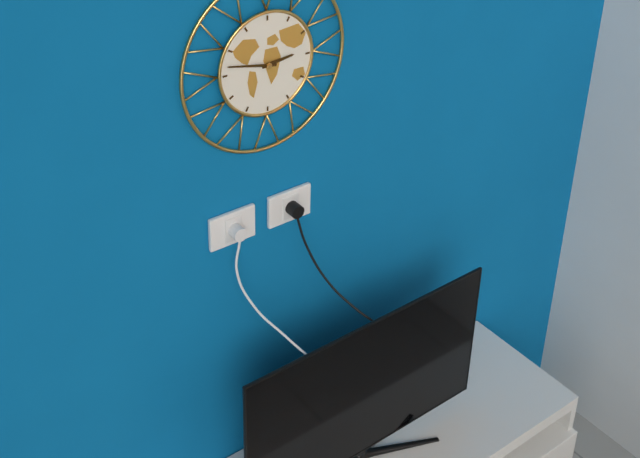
{"hour": 2, "minute": 47}
